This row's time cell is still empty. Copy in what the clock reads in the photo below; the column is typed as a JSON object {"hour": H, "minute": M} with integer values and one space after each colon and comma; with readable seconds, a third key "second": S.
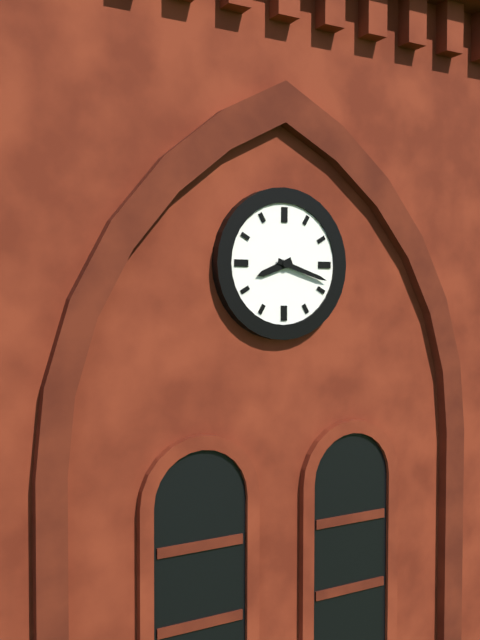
{"hour": 8, "minute": 18}
